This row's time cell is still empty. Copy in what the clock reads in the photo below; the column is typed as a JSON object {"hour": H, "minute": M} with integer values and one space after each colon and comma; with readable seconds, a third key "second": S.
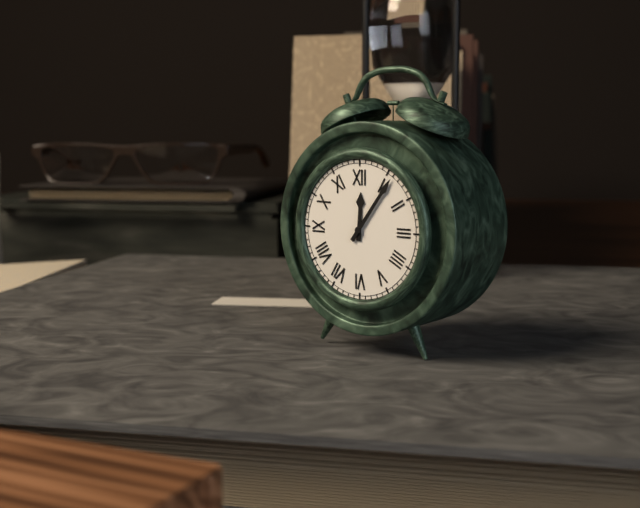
{"hour": 12, "minute": 6}
